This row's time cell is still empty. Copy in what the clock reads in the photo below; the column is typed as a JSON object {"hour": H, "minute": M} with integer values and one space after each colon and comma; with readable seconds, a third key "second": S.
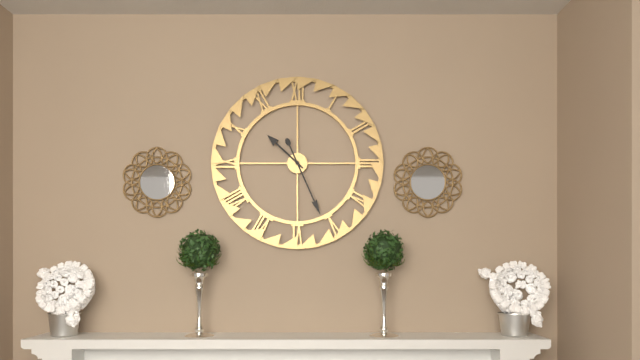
{"hour": 10, "minute": 26}
